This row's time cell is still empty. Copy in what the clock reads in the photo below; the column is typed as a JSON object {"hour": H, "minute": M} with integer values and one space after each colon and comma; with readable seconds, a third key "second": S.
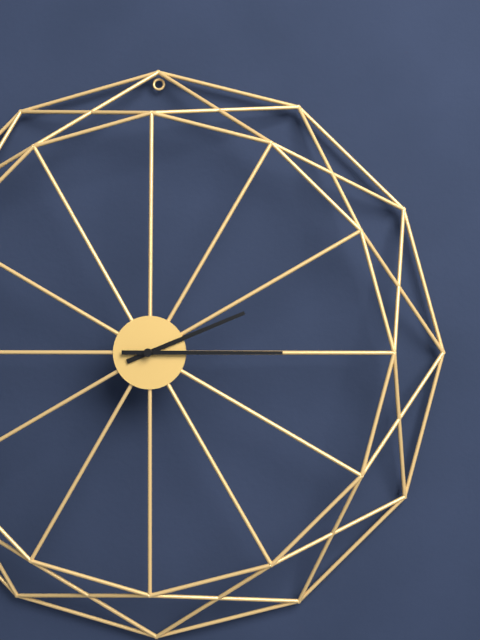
{"hour": 2, "minute": 15}
